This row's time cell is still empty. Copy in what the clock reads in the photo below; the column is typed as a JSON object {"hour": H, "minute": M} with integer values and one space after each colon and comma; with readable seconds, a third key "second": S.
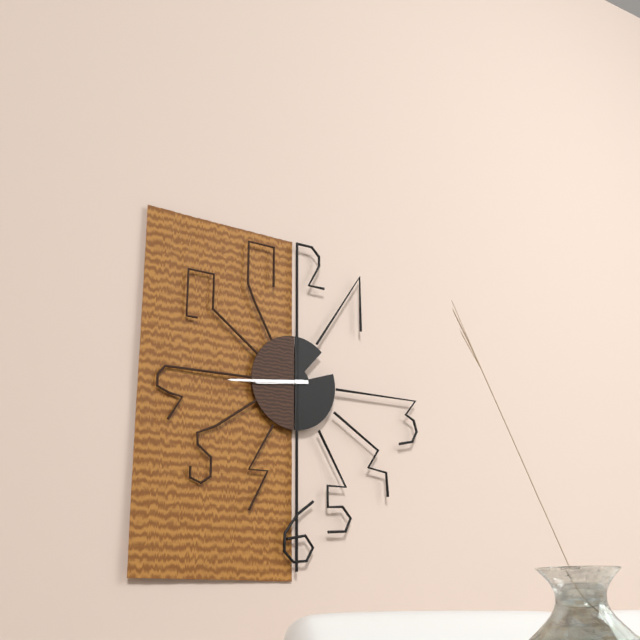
{"hour": 8, "minute": 44}
